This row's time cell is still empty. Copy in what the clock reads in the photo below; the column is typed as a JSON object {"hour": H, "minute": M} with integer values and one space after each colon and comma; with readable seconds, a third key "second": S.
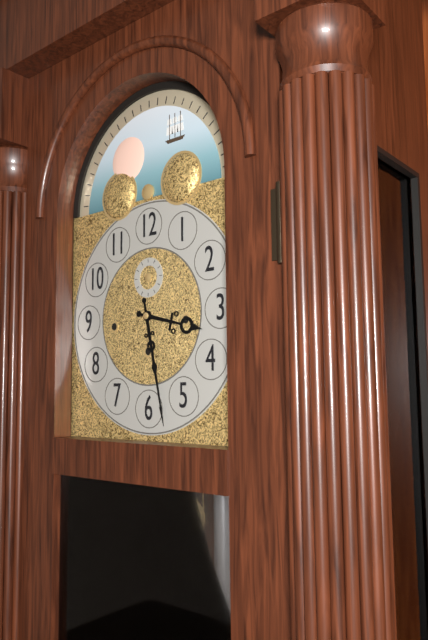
{"hour": 3, "minute": 28}
